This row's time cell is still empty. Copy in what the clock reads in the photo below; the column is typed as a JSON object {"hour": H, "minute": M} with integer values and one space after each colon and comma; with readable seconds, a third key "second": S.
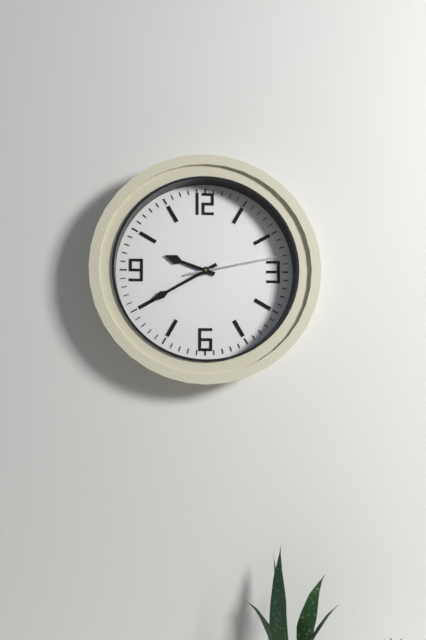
{"hour": 9, "minute": 40, "second": 13}
